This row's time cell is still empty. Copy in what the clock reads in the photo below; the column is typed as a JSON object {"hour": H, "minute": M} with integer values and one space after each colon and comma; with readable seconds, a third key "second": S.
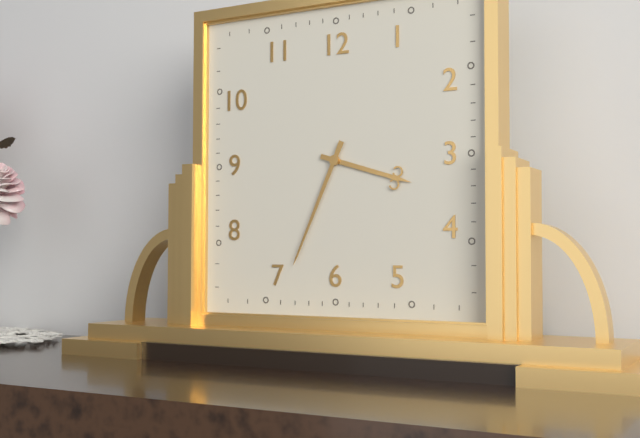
{"hour": 3, "minute": 34}
